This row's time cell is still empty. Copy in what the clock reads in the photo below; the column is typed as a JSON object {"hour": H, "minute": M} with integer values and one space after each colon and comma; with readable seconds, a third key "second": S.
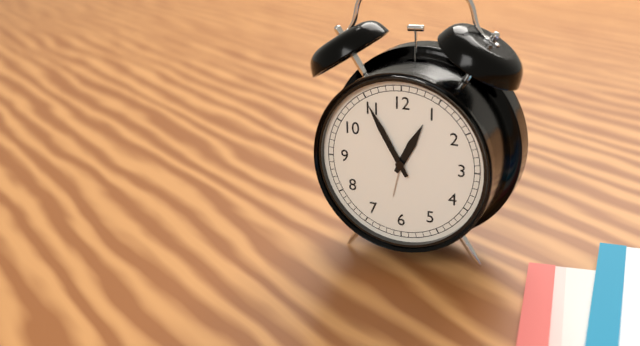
{"hour": 12, "minute": 55}
